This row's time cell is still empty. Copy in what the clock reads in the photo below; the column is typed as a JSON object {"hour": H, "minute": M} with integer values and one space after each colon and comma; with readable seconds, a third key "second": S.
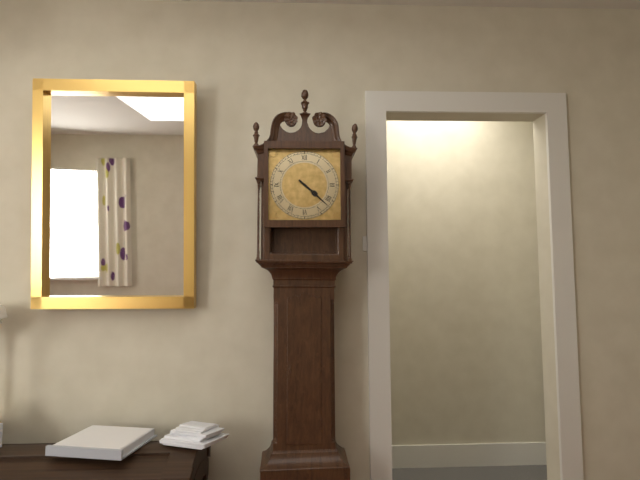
{"hour": 4, "minute": 22}
